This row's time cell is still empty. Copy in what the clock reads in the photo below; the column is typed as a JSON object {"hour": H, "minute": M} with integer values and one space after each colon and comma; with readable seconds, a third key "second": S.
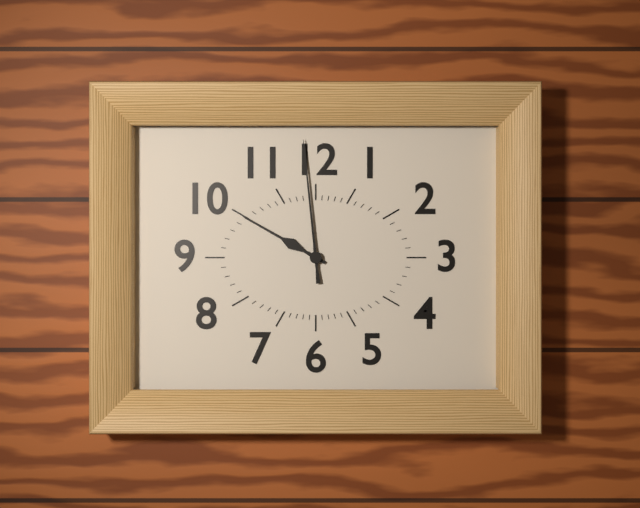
{"hour": 9, "minute": 59}
